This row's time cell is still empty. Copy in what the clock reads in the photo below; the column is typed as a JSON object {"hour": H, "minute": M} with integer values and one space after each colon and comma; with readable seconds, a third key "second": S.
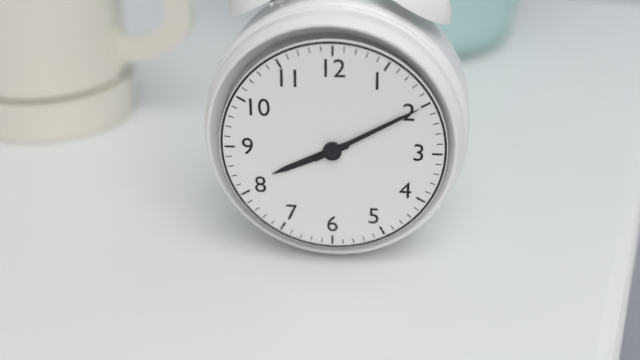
{"hour": 8, "minute": 10}
